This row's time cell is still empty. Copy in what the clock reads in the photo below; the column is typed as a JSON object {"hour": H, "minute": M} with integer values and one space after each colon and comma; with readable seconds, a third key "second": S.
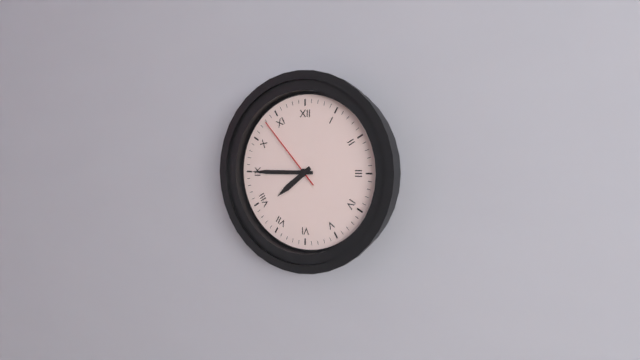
{"hour": 7, "minute": 45, "second": 53}
